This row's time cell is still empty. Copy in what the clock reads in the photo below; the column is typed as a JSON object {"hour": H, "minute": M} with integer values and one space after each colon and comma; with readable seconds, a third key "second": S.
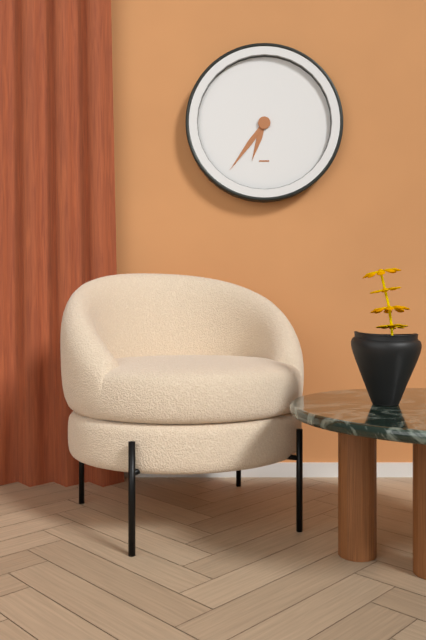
{"hour": 6, "minute": 36}
